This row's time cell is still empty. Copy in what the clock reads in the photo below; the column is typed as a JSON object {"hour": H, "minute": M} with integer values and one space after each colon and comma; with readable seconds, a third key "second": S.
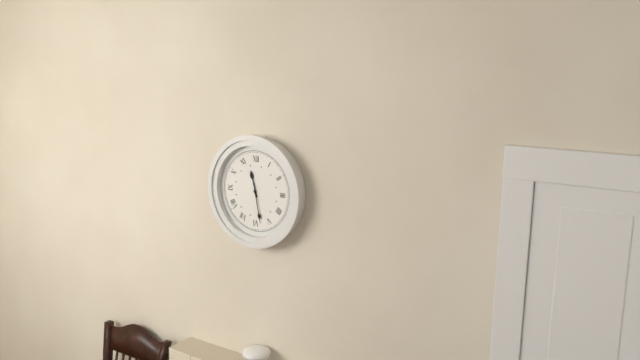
{"hour": 11, "minute": 28}
